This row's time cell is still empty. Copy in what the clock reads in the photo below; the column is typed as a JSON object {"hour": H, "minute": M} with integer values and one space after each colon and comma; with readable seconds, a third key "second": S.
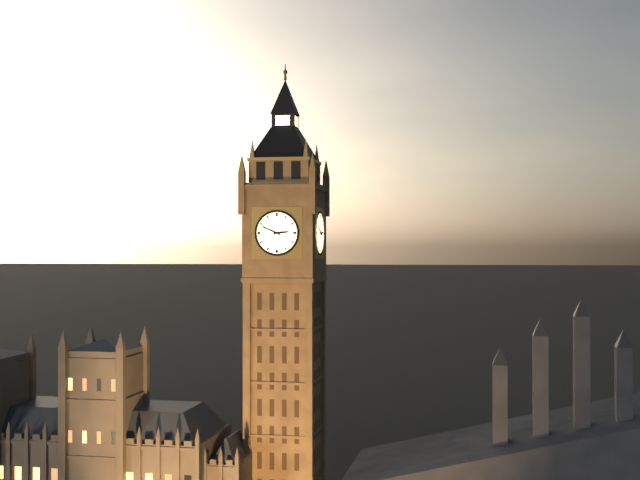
{"hour": 2, "minute": 49}
